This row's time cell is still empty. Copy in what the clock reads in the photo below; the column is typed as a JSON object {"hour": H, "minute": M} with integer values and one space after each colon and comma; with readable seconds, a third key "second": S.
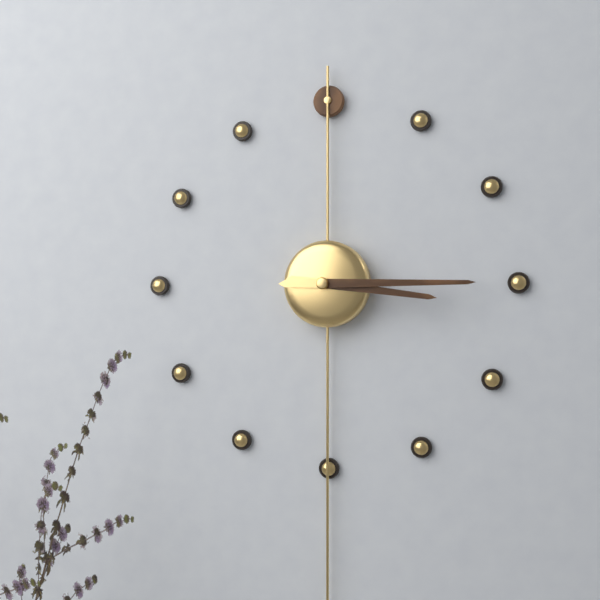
{"hour": 3, "minute": 15}
